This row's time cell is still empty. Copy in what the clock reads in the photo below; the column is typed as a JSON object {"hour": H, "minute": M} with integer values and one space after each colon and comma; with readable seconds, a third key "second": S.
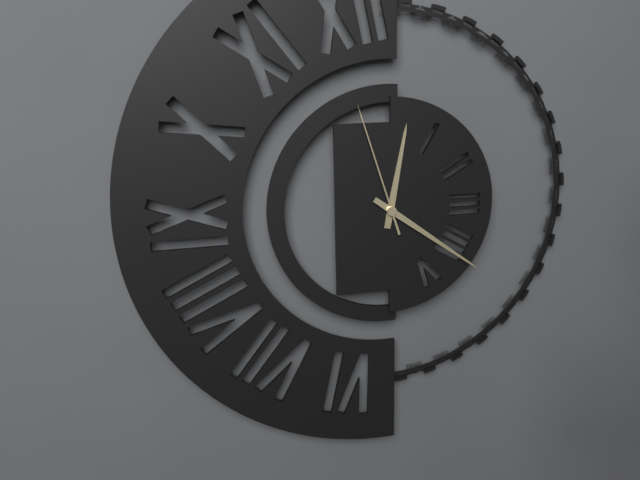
{"hour": 12, "minute": 21, "second": 57}
